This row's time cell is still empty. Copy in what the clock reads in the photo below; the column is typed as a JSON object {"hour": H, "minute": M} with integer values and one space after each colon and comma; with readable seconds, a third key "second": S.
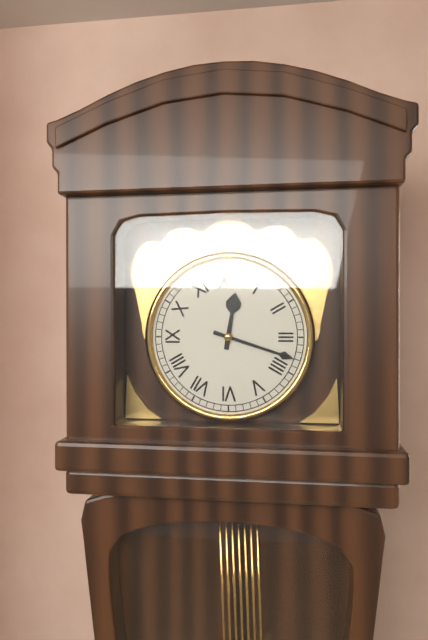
{"hour": 12, "minute": 18}
